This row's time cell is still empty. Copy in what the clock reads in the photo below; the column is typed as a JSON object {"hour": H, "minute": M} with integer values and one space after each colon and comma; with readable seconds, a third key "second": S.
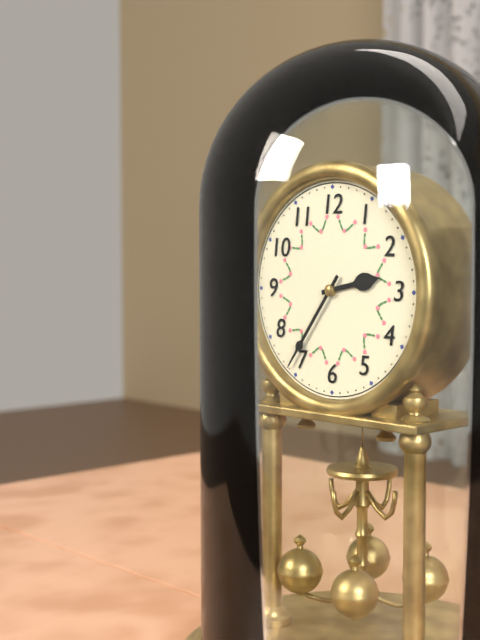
{"hour": 2, "minute": 36}
